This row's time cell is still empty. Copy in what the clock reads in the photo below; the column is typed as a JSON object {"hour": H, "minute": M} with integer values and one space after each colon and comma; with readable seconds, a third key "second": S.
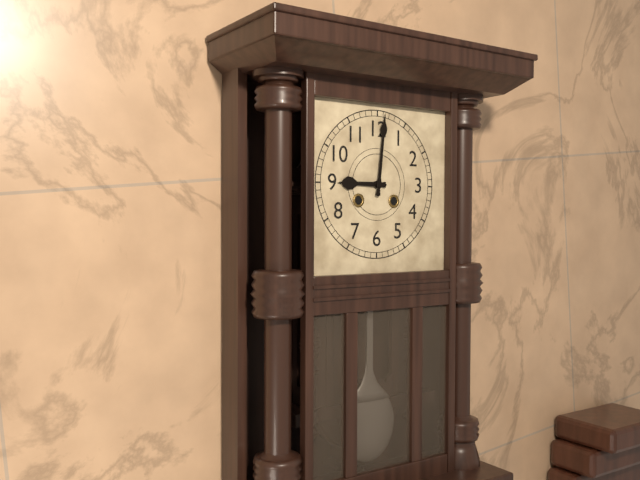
{"hour": 9, "minute": 1}
